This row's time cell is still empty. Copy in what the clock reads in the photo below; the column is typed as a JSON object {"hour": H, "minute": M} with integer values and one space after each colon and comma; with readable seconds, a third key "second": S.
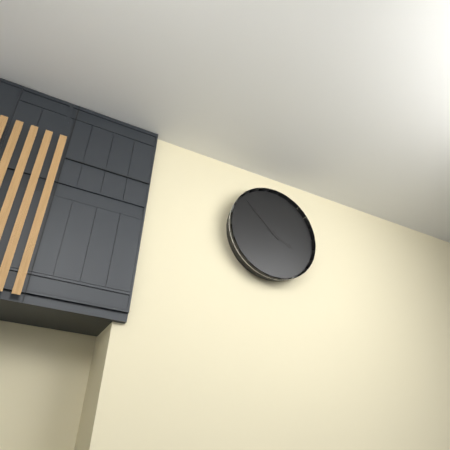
{"hour": 3, "minute": 52}
